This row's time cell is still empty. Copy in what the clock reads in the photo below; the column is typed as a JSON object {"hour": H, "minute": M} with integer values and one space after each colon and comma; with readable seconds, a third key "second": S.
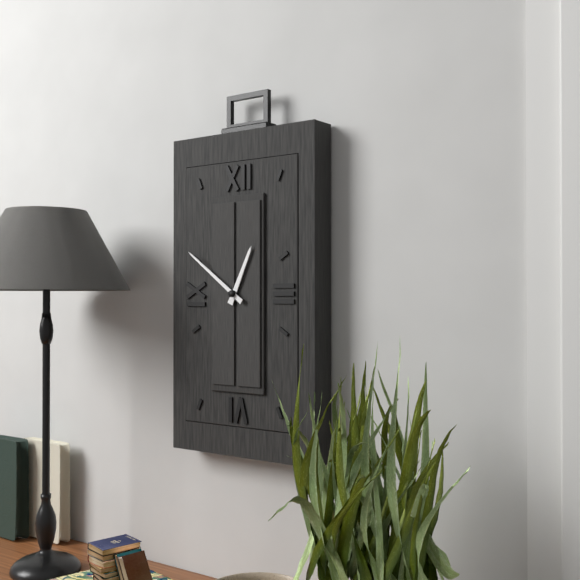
{"hour": 12, "minute": 51}
